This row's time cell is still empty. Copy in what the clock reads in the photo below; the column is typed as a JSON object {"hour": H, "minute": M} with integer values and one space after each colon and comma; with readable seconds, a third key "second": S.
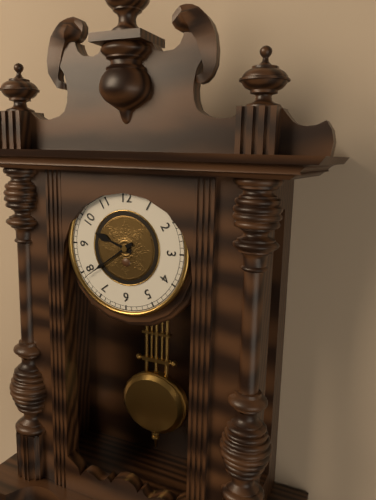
{"hour": 9, "minute": 39}
